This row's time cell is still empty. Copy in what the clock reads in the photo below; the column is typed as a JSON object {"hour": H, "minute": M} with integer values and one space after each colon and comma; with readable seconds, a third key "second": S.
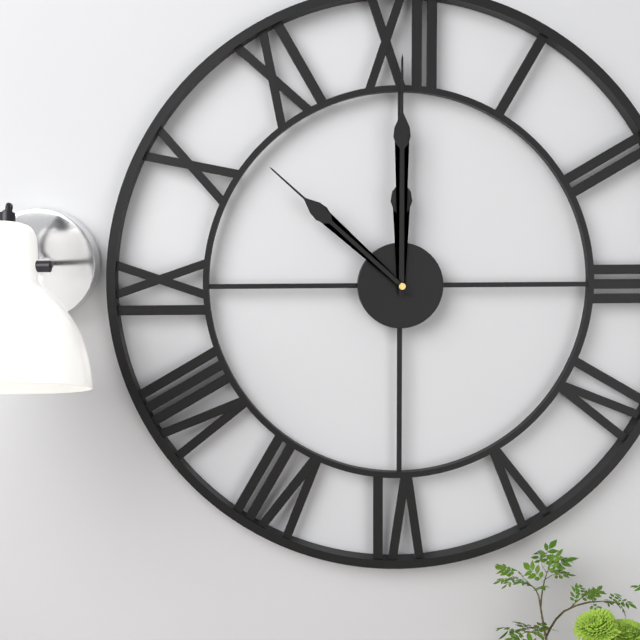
{"hour": 12, "minute": 0, "second": 52}
